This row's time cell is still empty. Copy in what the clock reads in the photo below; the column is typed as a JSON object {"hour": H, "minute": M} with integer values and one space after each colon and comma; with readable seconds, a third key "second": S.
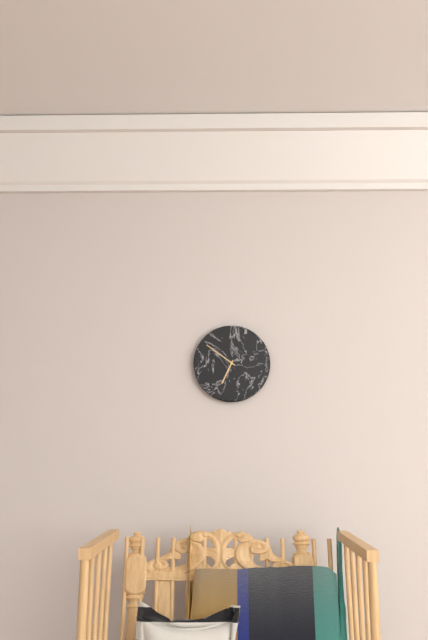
{"hour": 6, "minute": 51}
